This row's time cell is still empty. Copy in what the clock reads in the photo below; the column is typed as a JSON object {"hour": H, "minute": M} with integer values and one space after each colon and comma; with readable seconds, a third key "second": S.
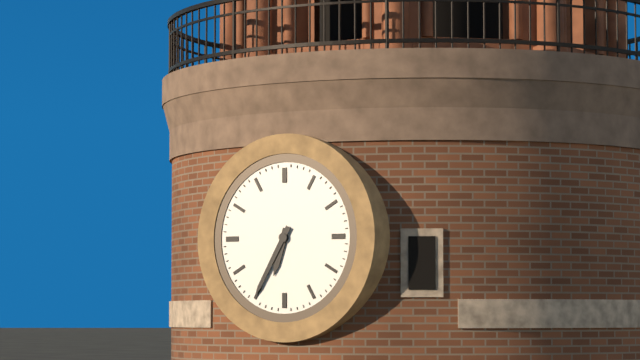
{"hour": 6, "minute": 35}
